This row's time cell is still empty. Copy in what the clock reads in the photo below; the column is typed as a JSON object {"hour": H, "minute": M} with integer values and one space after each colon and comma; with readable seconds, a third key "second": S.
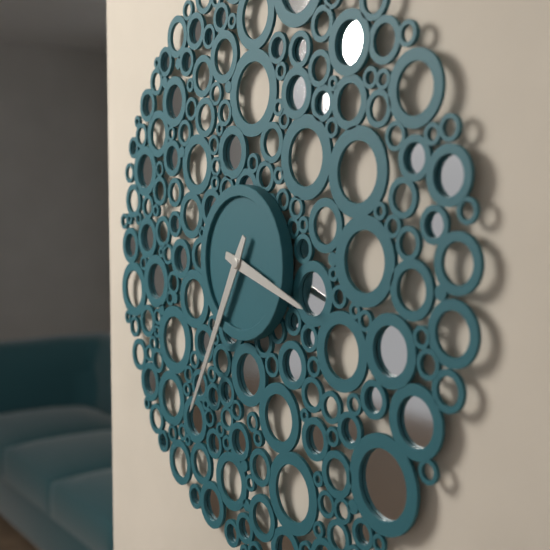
{"hour": 3, "minute": 35}
